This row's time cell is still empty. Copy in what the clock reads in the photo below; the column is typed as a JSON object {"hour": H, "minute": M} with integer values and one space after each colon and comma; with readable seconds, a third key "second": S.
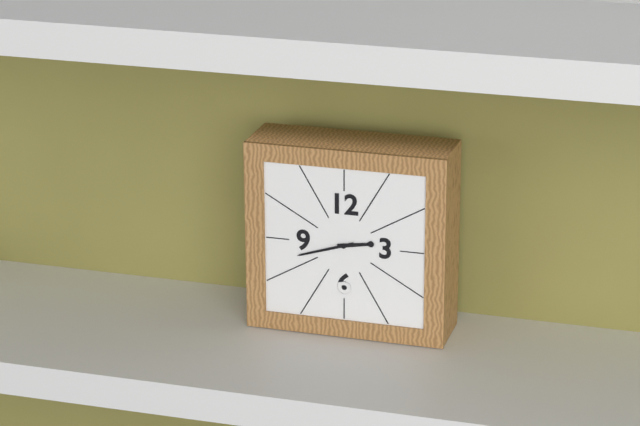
{"hour": 2, "minute": 42}
